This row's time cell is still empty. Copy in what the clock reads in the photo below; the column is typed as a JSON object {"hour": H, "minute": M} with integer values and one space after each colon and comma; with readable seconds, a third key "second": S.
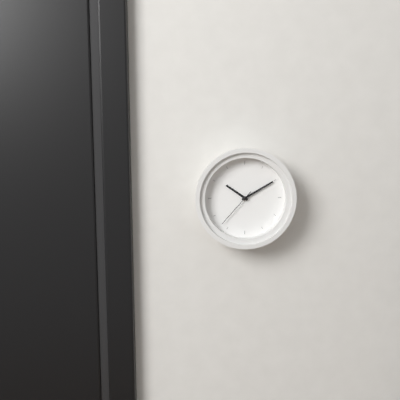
{"hour": 10, "minute": 10}
